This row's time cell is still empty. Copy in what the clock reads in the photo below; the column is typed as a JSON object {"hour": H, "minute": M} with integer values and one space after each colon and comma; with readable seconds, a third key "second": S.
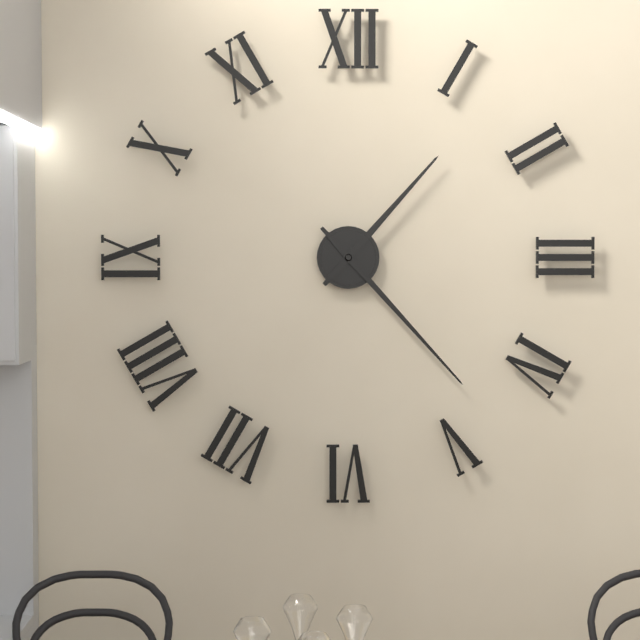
{"hour": 1, "minute": 23}
